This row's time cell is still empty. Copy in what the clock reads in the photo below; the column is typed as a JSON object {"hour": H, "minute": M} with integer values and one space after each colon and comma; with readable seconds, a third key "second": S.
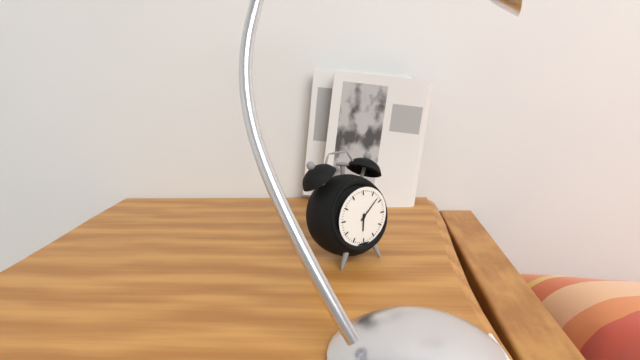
{"hour": 6, "minute": 8}
